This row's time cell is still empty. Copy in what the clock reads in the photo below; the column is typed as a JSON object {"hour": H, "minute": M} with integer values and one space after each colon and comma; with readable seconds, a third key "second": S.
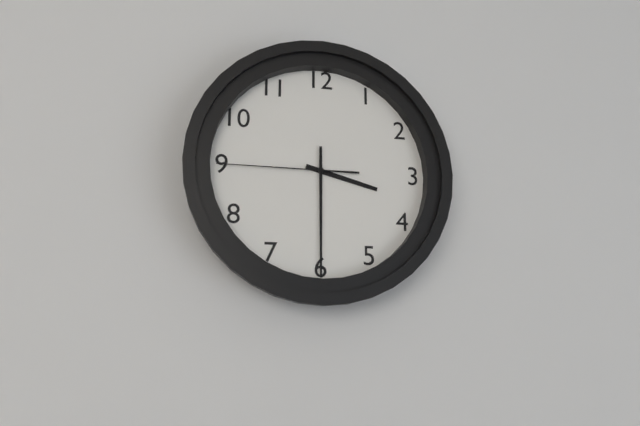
{"hour": 3, "minute": 30, "second": 45}
